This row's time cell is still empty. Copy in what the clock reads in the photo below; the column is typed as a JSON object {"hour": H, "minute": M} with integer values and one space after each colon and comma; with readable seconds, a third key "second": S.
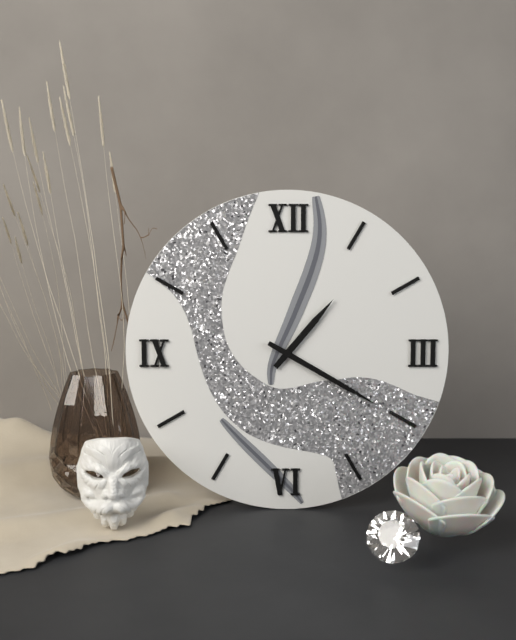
{"hour": 1, "minute": 20}
